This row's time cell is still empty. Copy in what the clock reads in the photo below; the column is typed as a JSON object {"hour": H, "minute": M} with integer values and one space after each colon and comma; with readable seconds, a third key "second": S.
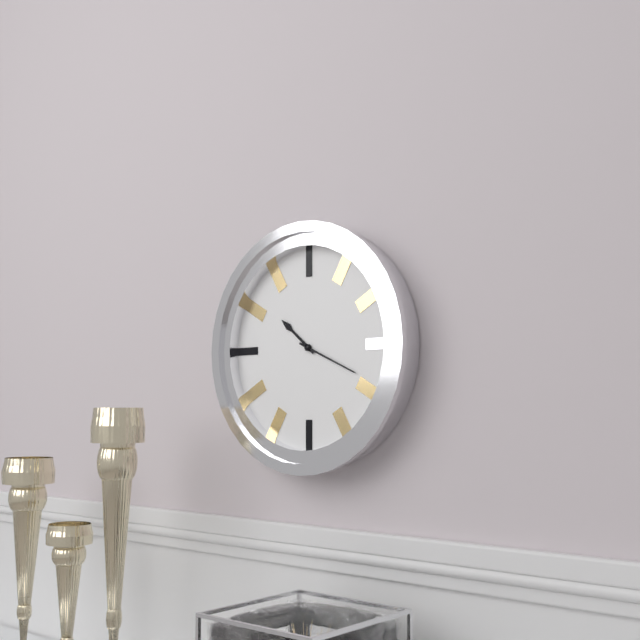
{"hour": 10, "minute": 19}
